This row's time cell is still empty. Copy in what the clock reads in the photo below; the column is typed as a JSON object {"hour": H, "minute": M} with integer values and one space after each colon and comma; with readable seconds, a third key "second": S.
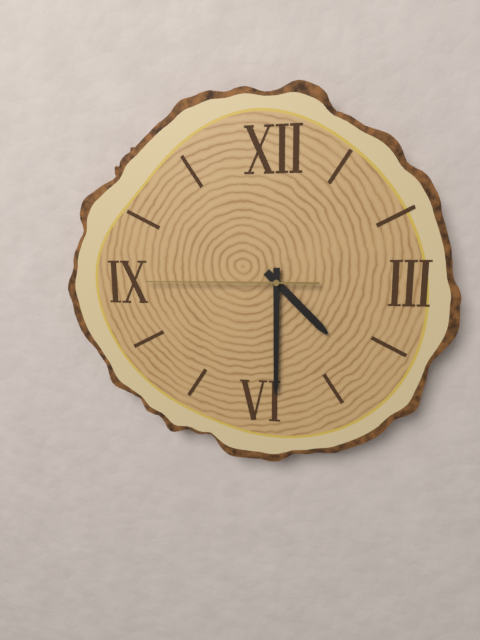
{"hour": 4, "minute": 30, "second": 45}
